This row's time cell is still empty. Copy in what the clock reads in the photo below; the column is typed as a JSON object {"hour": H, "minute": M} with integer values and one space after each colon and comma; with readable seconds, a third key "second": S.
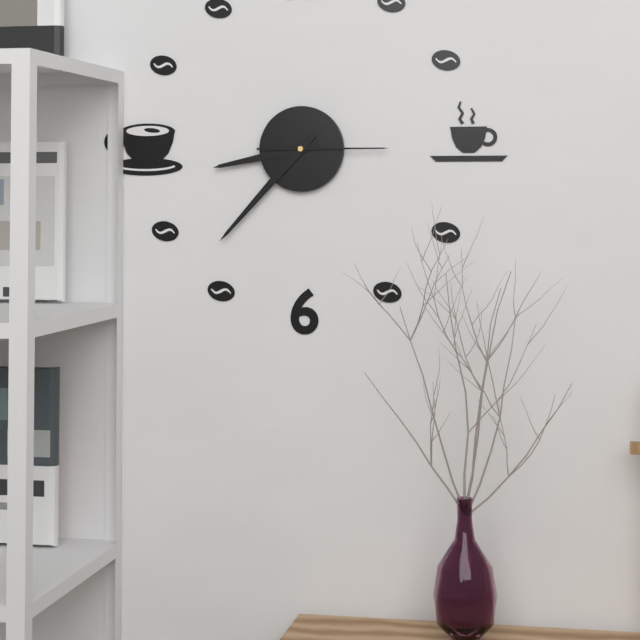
{"hour": 8, "minute": 37, "second": 15}
